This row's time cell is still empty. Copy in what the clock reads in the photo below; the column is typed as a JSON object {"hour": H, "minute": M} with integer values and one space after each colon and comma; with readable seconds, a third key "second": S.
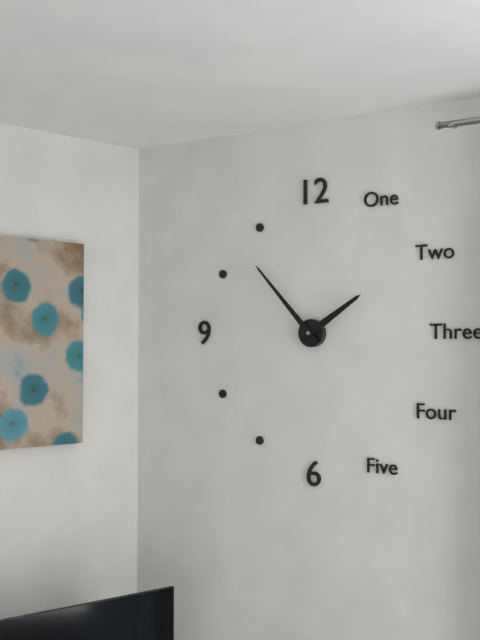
{"hour": 1, "minute": 53}
